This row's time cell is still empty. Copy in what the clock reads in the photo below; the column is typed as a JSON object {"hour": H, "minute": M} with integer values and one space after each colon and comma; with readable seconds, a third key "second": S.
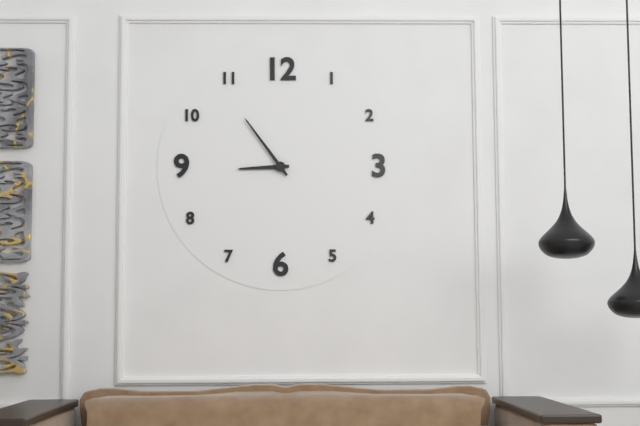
{"hour": 8, "minute": 54}
